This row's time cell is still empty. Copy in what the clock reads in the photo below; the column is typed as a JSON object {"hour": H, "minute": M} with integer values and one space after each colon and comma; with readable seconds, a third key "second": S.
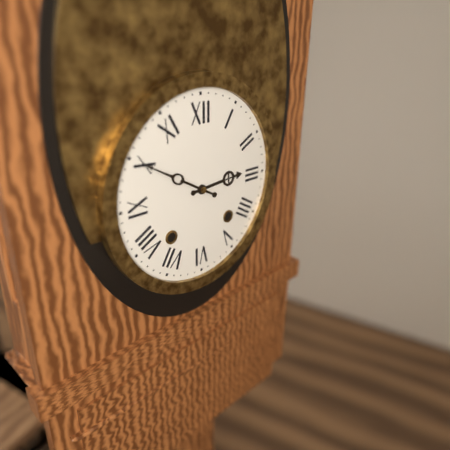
{"hour": 2, "minute": 50}
